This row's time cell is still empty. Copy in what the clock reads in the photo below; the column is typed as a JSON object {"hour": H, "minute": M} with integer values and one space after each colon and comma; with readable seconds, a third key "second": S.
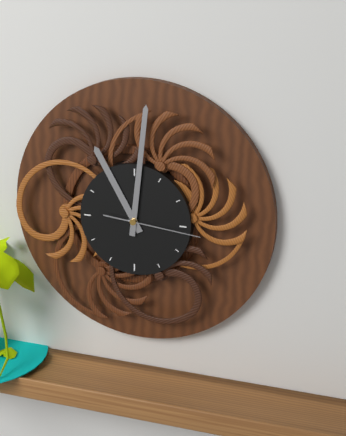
{"hour": 11, "minute": 1, "second": 16}
